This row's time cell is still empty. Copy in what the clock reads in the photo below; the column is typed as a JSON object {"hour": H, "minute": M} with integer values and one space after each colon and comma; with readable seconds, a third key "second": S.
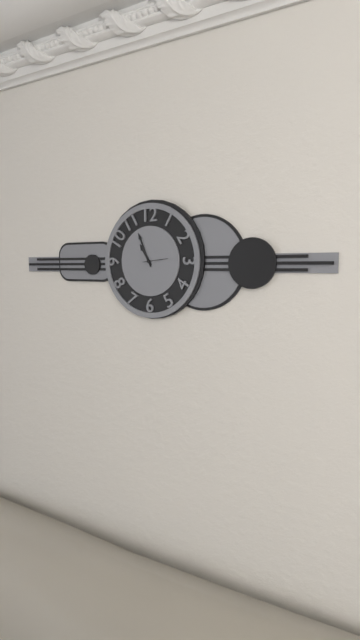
{"hour": 10, "minute": 56}
